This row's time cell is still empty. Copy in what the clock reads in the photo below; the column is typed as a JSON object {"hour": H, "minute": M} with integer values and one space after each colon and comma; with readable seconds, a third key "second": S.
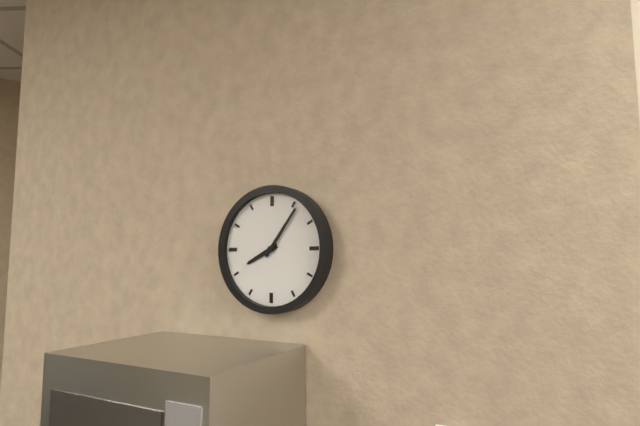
{"hour": 8, "minute": 6}
